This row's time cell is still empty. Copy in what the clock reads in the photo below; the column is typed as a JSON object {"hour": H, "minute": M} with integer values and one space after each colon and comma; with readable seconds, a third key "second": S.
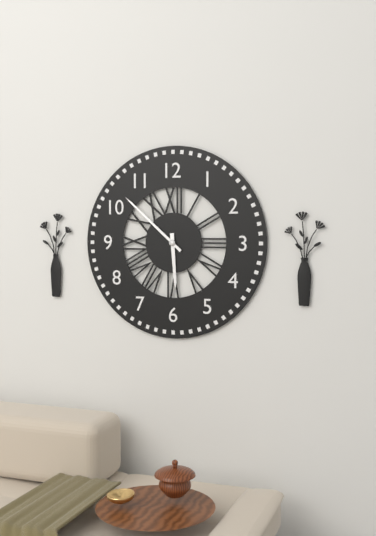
{"hour": 5, "minute": 52}
